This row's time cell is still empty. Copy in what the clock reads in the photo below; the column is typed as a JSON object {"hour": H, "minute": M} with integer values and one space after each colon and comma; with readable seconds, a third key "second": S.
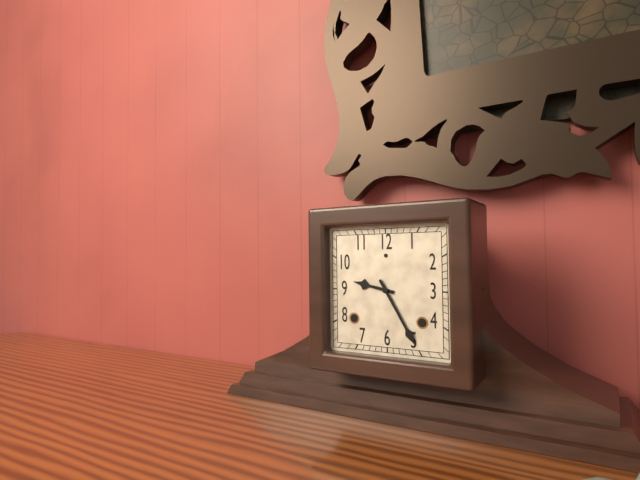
{"hour": 9, "minute": 25}
